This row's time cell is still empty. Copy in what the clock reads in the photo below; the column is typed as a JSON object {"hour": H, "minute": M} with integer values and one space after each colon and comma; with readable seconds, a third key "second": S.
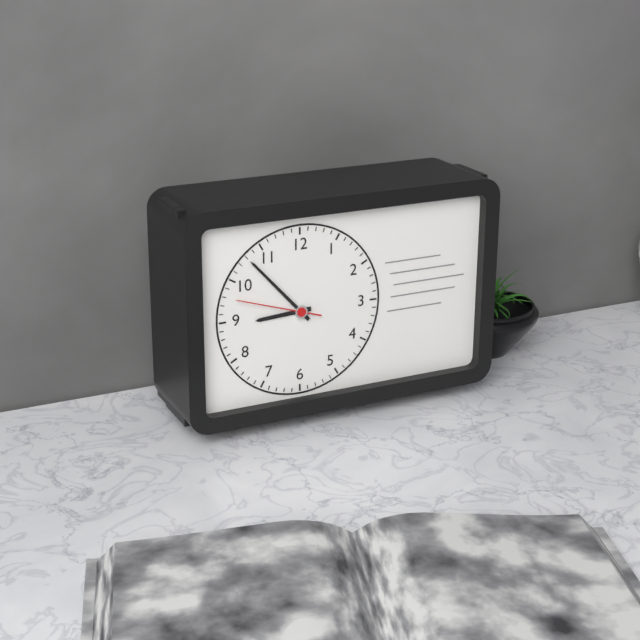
{"hour": 8, "minute": 53, "second": 48}
